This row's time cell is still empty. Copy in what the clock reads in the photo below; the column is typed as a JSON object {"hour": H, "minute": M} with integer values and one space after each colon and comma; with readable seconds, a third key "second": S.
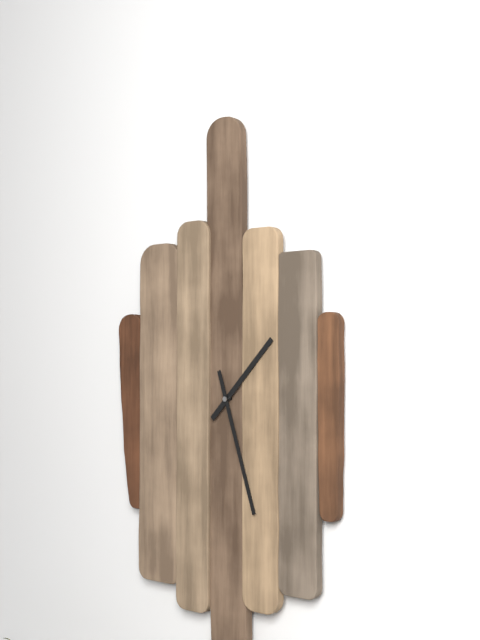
{"hour": 1, "minute": 27}
